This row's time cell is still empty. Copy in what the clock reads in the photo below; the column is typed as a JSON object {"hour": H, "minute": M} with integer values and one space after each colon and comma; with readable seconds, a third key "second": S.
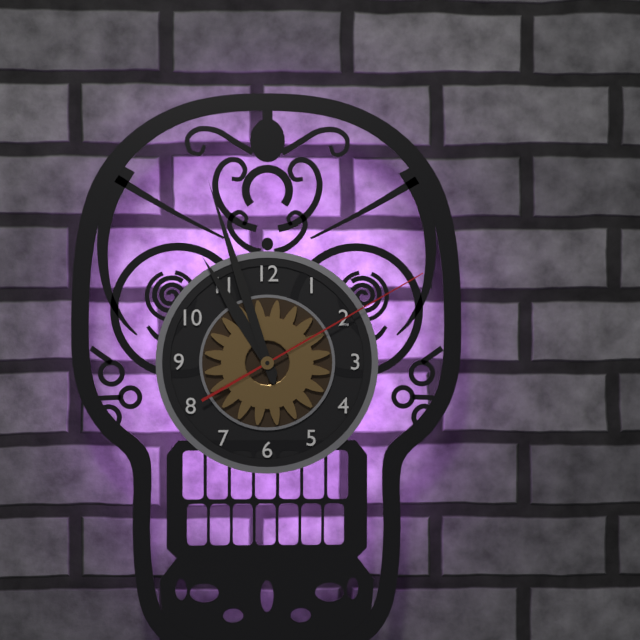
{"hour": 10, "minute": 57, "second": 10}
